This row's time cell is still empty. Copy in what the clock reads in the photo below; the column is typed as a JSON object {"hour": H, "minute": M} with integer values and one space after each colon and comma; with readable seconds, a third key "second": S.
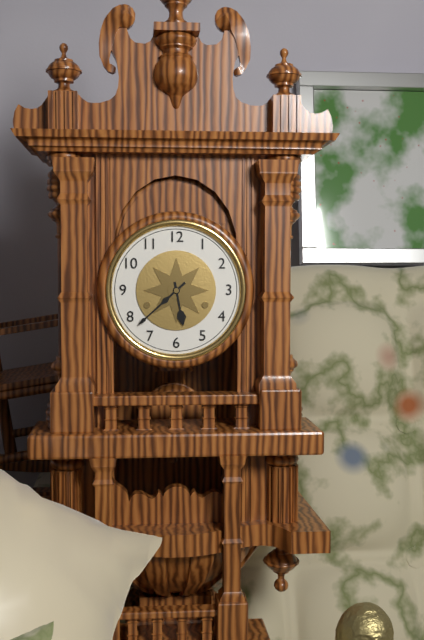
{"hour": 5, "minute": 38}
